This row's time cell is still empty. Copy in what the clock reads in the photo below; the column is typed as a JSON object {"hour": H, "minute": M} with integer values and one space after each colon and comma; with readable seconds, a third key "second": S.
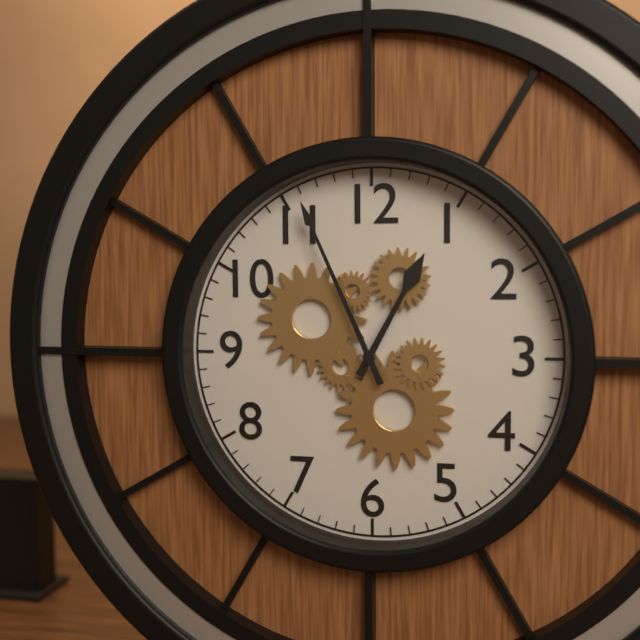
{"hour": 12, "minute": 56}
